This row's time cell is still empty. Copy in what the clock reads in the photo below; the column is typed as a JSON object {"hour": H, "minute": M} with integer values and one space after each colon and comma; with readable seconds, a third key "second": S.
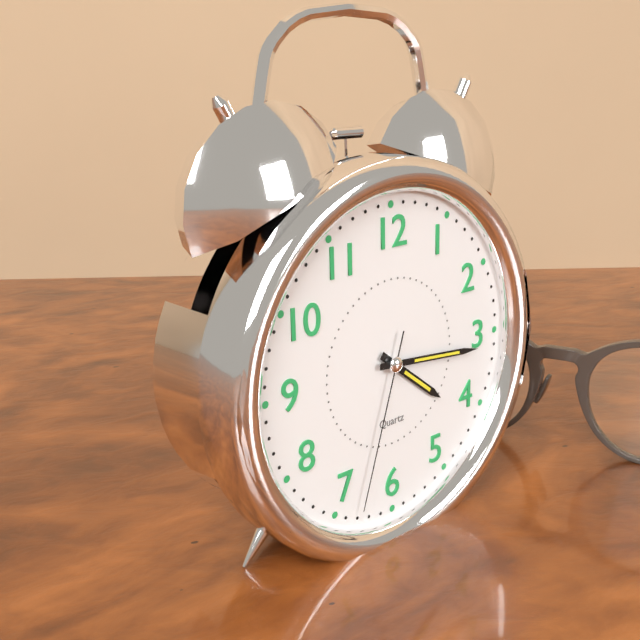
{"hour": 4, "minute": 16, "second": 33}
